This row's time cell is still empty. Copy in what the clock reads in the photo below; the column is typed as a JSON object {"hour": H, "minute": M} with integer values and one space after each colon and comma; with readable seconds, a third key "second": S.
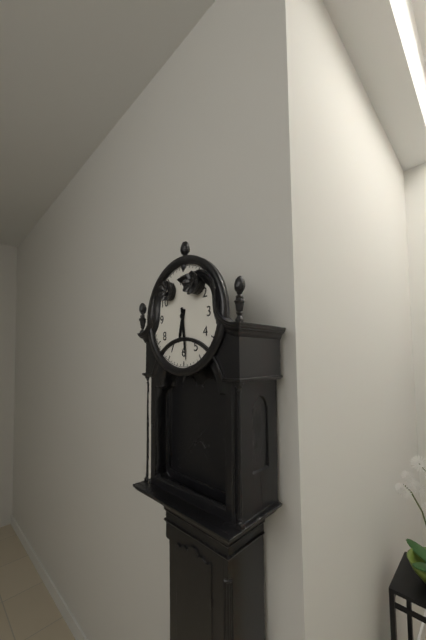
{"hour": 6, "minute": 29}
